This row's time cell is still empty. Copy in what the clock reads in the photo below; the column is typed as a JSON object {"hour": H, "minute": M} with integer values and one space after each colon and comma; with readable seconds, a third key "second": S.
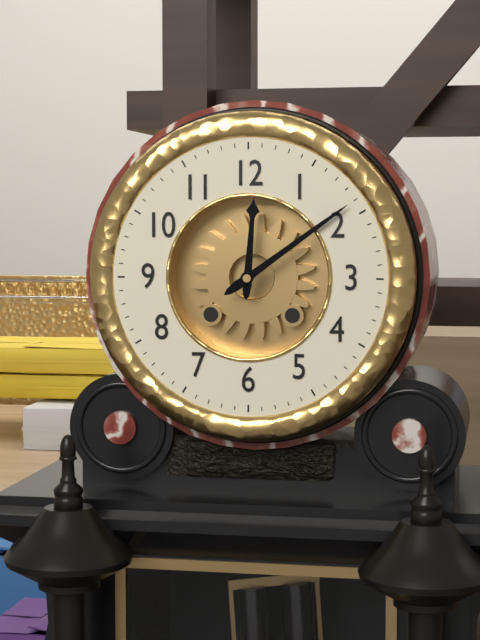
{"hour": 12, "minute": 9}
